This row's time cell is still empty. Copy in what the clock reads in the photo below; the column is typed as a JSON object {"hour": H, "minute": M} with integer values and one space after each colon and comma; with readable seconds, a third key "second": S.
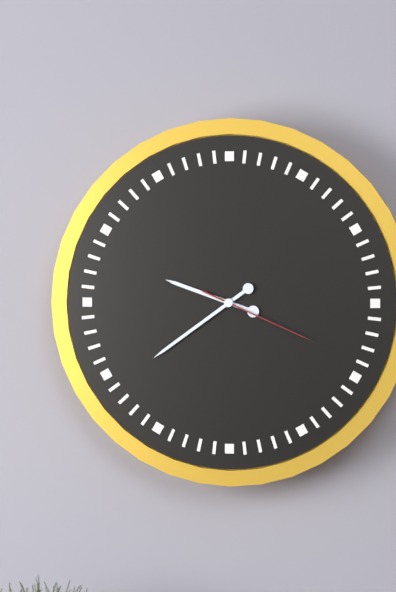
{"hour": 9, "minute": 39, "second": 19}
